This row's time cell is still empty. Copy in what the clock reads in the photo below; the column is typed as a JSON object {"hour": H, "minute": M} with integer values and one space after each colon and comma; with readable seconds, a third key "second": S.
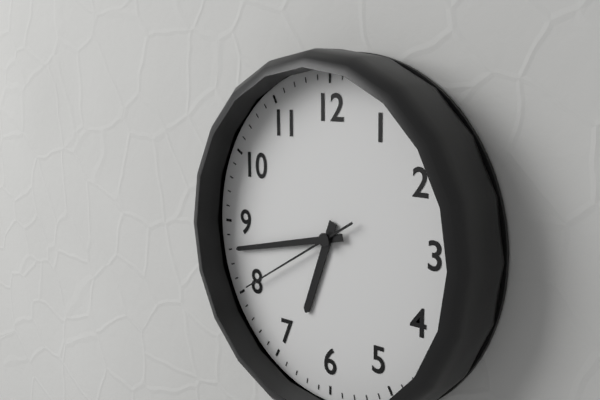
{"hour": 6, "minute": 43, "second": 40}
